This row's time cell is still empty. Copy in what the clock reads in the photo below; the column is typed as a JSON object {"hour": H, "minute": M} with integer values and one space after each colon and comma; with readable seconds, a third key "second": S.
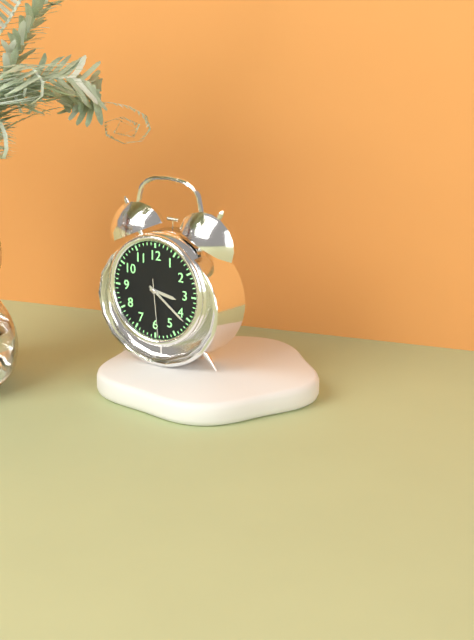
{"hour": 3, "minute": 21, "second": 29}
